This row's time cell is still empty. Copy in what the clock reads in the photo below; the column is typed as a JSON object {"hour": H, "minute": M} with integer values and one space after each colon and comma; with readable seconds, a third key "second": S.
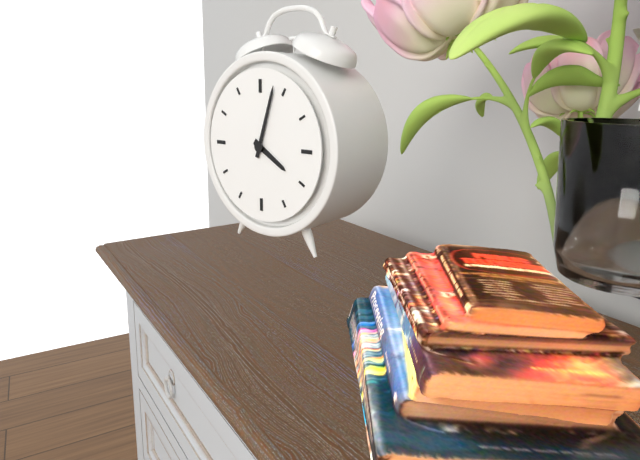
{"hour": 4, "minute": 3}
